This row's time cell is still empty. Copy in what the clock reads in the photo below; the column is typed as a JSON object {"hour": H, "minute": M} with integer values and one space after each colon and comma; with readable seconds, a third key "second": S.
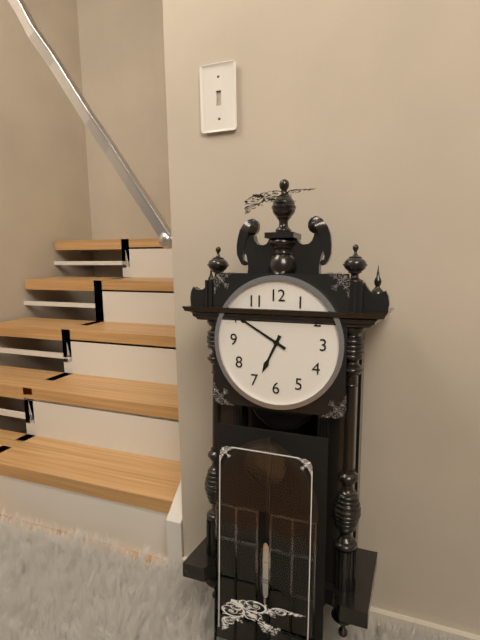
{"hour": 6, "minute": 50}
